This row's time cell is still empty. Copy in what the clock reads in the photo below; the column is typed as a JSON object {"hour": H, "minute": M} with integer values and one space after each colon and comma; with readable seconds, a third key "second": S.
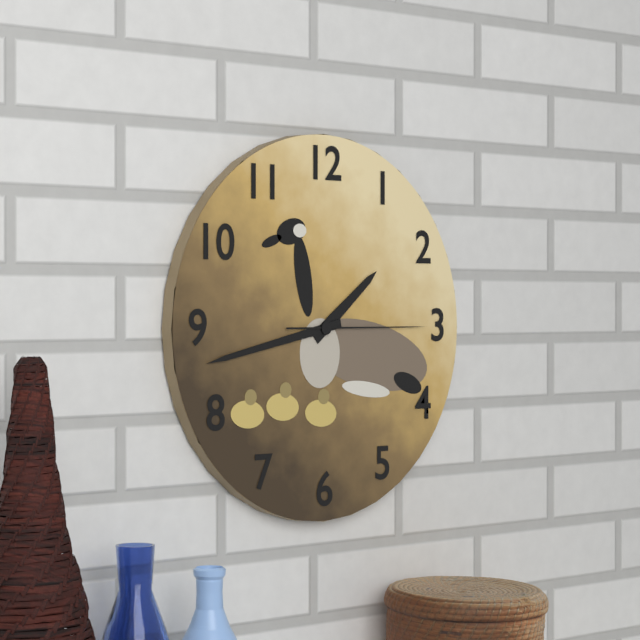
{"hour": 1, "minute": 43, "second": 15}
